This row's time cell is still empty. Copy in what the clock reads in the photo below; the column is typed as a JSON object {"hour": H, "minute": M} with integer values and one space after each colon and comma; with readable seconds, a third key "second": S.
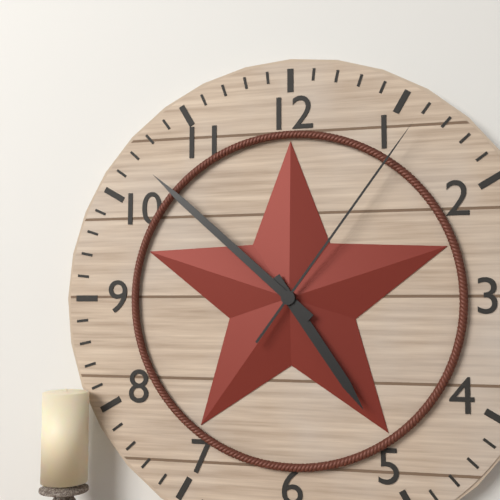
{"hour": 4, "minute": 52, "second": 6}
